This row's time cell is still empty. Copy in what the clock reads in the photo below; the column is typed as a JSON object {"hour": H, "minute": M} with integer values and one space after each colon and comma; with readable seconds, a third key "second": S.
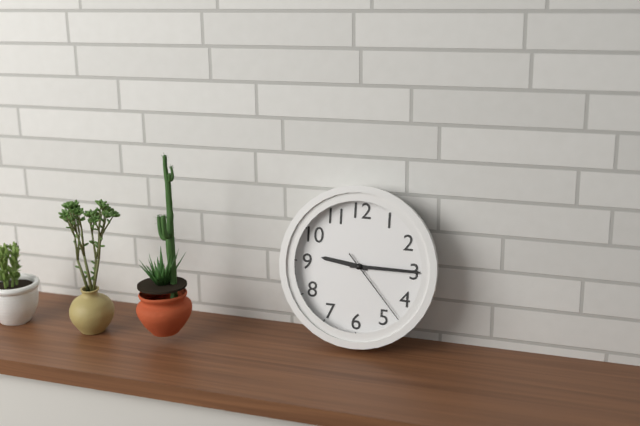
{"hour": 9, "minute": 15, "second": 23}
